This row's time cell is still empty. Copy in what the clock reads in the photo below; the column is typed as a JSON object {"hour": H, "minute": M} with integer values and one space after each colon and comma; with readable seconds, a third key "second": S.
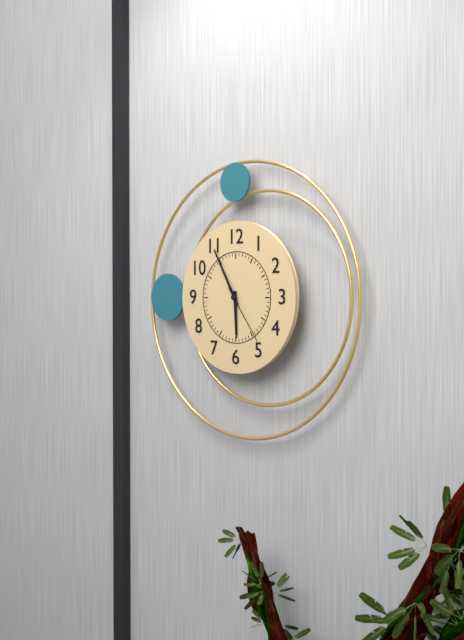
{"hour": 5, "minute": 55, "second": 24}
